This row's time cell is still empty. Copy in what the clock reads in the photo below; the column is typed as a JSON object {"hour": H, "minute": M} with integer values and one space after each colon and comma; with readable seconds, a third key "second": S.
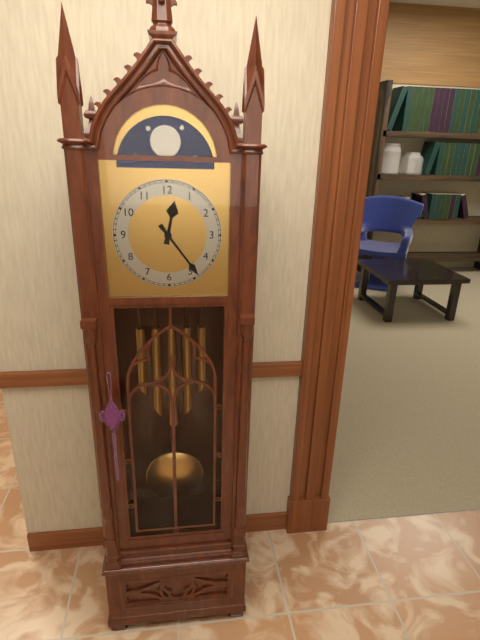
{"hour": 12, "minute": 24}
